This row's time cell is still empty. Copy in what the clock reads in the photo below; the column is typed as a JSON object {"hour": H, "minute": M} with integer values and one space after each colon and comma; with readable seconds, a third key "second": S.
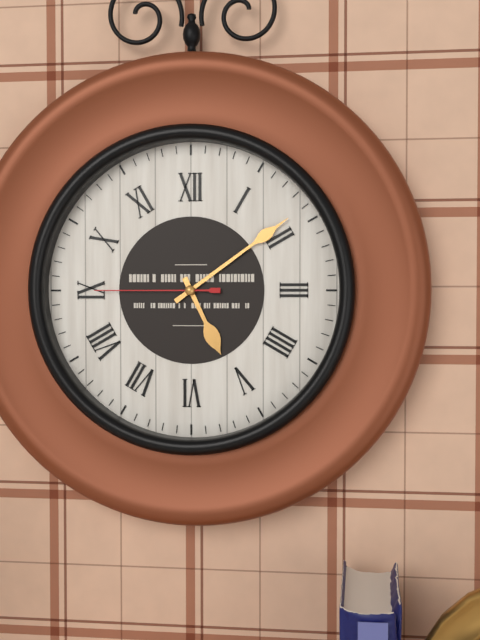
{"hour": 5, "minute": 9, "second": 45}
